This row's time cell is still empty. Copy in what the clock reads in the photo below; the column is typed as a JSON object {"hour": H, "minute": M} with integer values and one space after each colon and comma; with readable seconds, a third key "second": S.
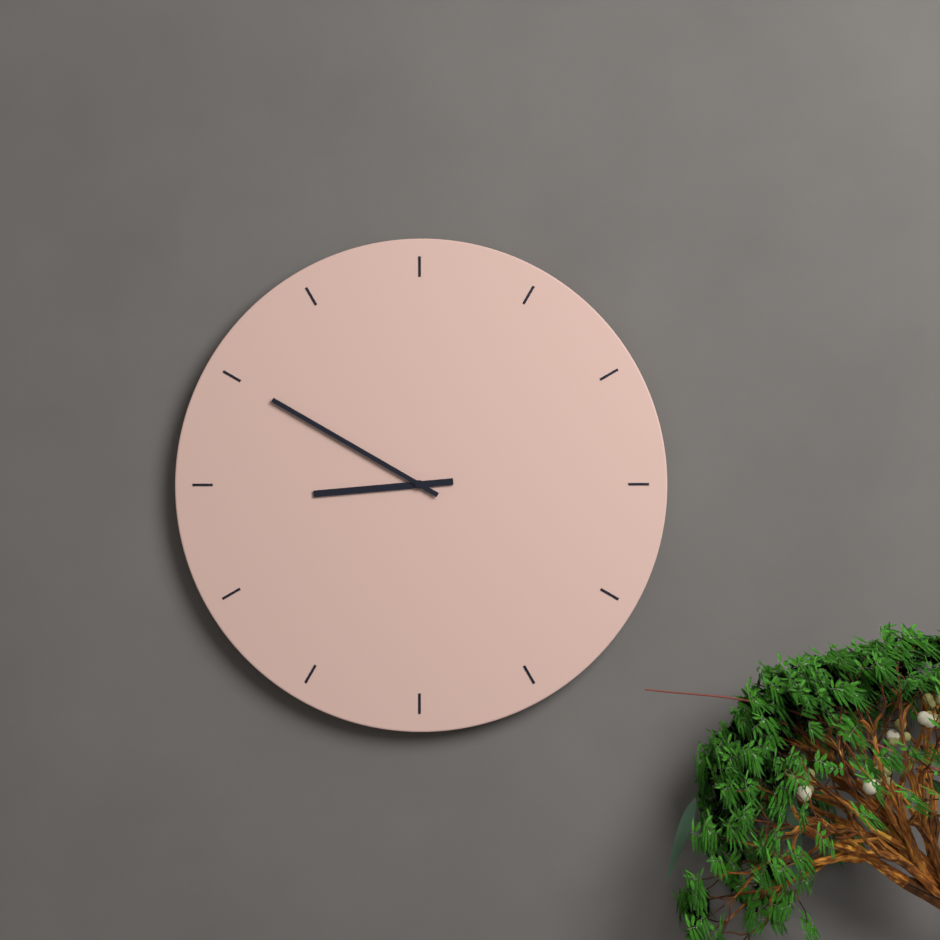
{"hour": 8, "minute": 50}
